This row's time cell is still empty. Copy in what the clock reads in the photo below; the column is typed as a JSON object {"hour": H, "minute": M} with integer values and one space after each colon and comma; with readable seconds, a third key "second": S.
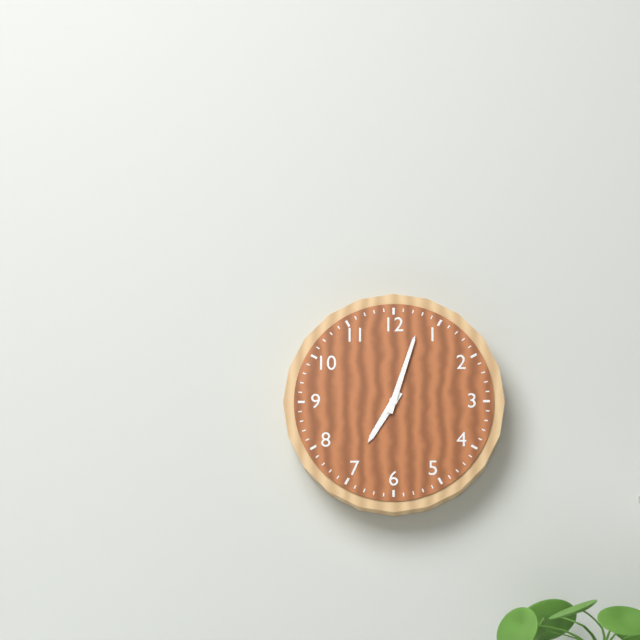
{"hour": 7, "minute": 3}
